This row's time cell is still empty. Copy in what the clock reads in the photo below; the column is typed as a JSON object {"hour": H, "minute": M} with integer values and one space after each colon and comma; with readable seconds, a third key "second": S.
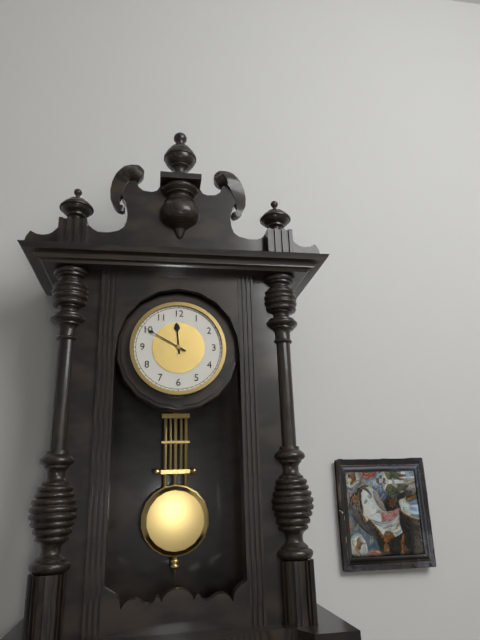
{"hour": 11, "minute": 50}
